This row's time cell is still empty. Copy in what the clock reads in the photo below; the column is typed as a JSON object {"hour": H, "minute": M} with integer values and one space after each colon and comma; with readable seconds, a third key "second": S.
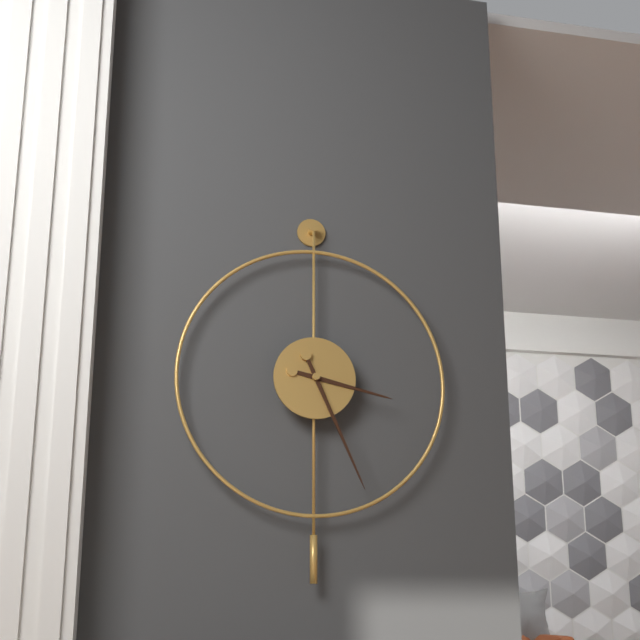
{"hour": 3, "minute": 26}
